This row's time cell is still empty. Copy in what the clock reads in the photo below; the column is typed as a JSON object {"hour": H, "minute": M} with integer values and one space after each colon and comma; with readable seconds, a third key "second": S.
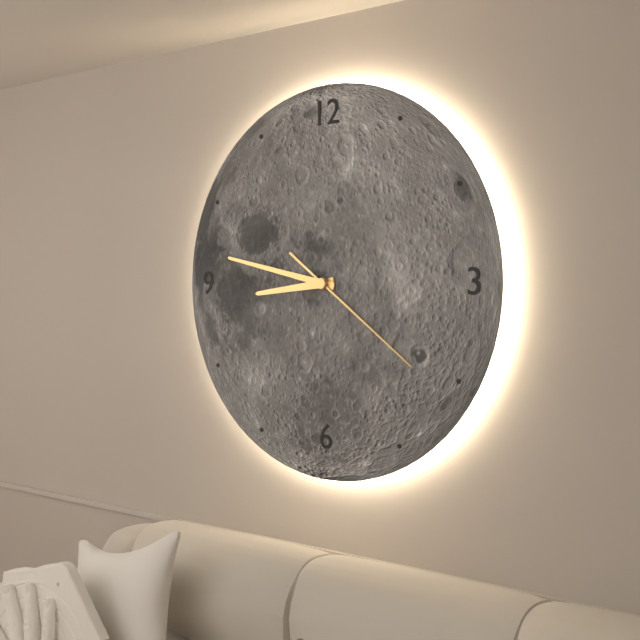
{"hour": 8, "minute": 47, "second": 21}
